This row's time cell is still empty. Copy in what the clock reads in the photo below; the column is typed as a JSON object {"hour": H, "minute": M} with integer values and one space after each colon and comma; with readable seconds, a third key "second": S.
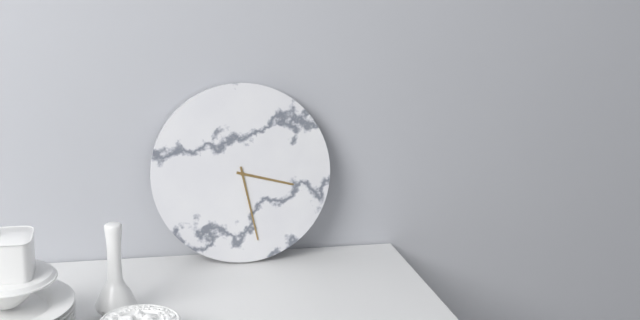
{"hour": 3, "minute": 28}
